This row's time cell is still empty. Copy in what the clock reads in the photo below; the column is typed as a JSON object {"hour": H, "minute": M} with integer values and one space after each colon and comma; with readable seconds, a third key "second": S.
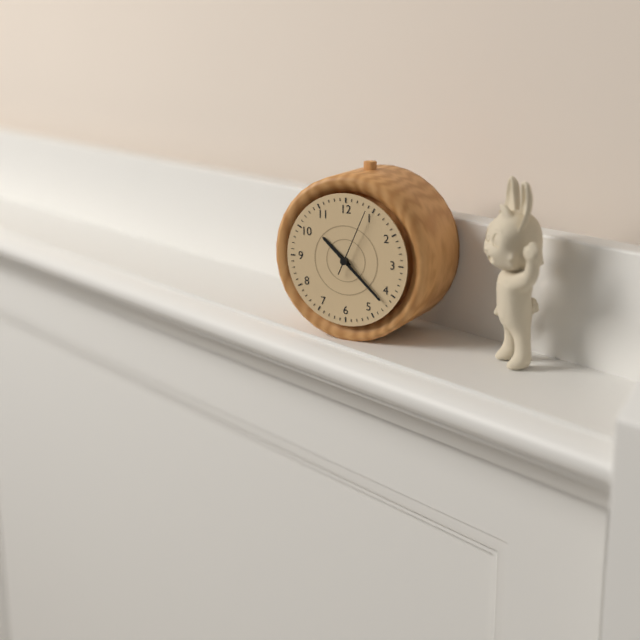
{"hour": 10, "minute": 22, "second": 4}
